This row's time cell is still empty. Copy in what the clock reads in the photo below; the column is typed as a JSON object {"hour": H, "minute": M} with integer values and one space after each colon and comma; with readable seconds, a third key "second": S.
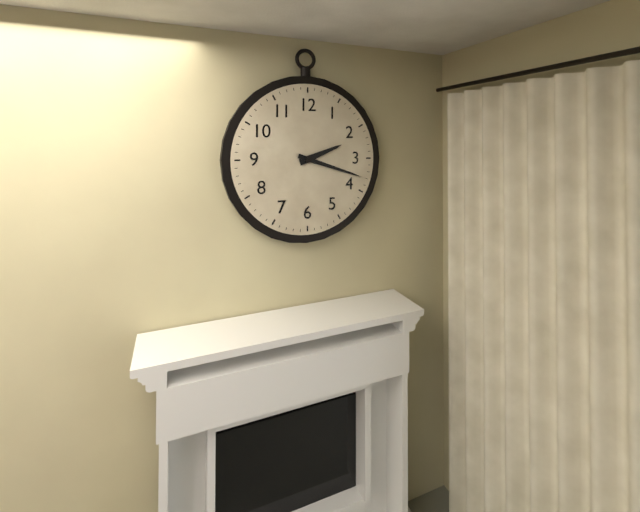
{"hour": 2, "minute": 18}
